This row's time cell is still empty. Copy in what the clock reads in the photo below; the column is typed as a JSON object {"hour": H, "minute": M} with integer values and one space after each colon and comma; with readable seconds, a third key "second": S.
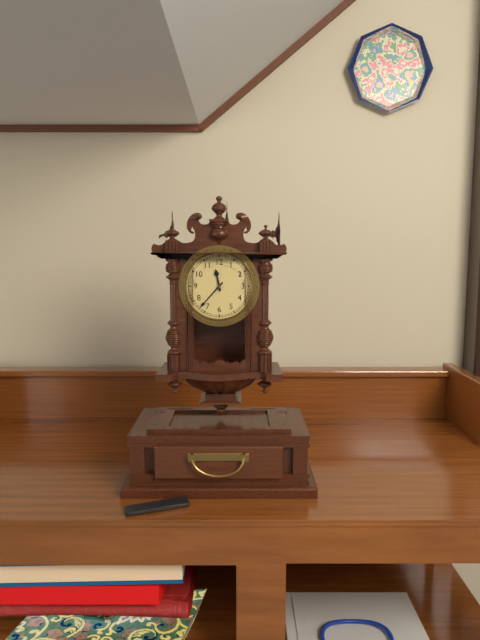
{"hour": 11, "minute": 37}
